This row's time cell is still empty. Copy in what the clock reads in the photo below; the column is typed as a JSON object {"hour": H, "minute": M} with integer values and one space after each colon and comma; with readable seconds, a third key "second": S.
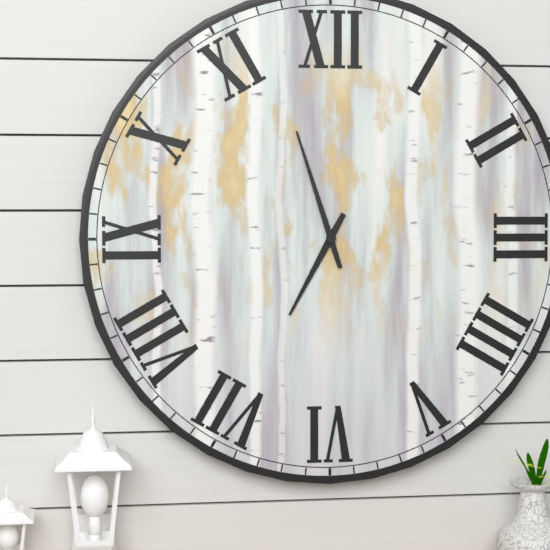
{"hour": 6, "minute": 57}
